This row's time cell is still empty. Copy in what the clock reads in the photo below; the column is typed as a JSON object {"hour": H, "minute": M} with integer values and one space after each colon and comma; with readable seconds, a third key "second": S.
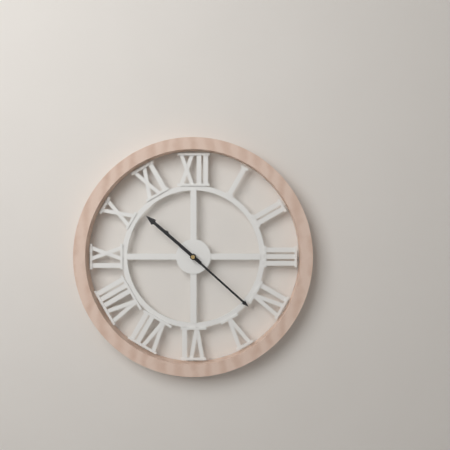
{"hour": 10, "minute": 22}
